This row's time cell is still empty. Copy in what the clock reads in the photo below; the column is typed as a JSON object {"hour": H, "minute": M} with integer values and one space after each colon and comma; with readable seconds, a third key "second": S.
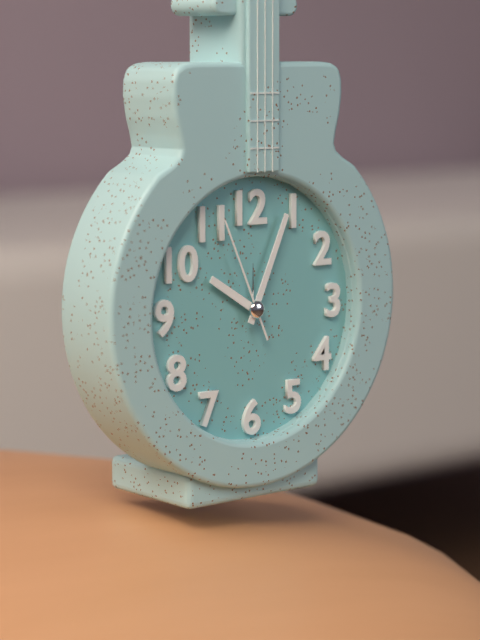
{"hour": 10, "minute": 4, "second": 56}
